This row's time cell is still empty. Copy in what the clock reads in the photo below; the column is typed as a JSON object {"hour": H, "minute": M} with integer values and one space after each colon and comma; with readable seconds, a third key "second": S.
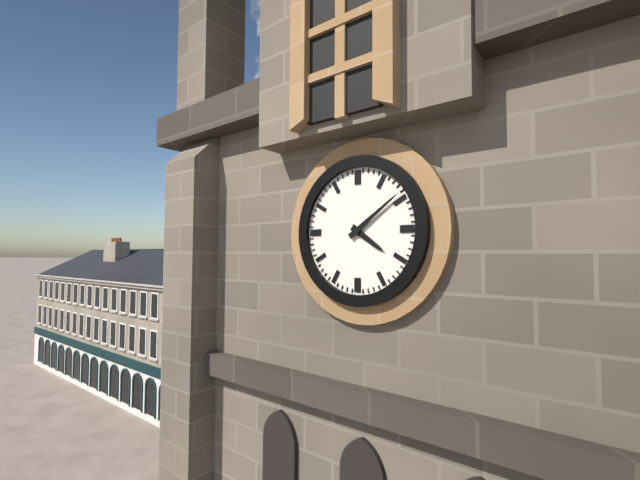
{"hour": 4, "minute": 9}
